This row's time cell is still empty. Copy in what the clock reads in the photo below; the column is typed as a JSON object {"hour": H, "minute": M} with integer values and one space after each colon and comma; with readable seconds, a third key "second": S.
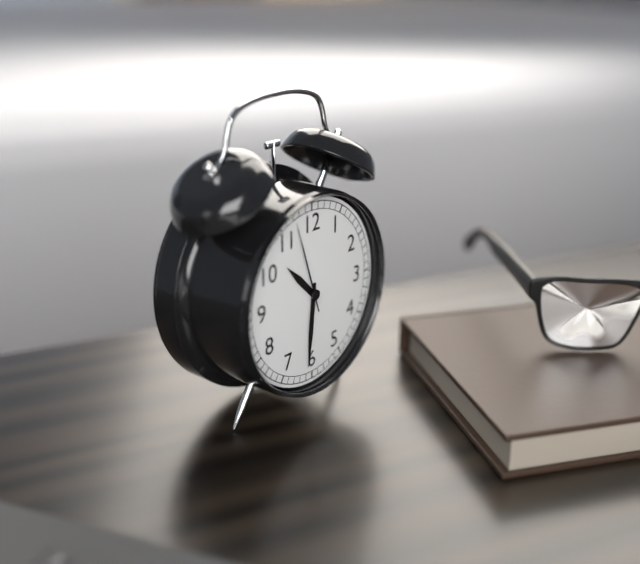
{"hour": 10, "minute": 31, "second": 57}
